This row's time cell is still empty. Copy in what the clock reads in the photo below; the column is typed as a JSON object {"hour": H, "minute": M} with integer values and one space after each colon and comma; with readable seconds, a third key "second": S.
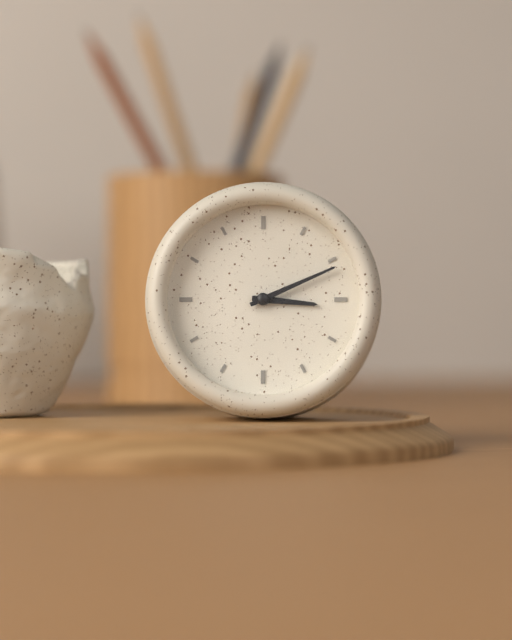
{"hour": 3, "minute": 11}
